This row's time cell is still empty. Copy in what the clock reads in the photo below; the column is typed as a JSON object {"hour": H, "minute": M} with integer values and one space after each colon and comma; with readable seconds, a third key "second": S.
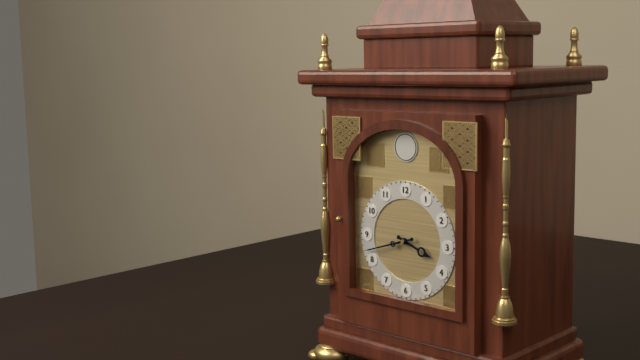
{"hour": 3, "minute": 42}
